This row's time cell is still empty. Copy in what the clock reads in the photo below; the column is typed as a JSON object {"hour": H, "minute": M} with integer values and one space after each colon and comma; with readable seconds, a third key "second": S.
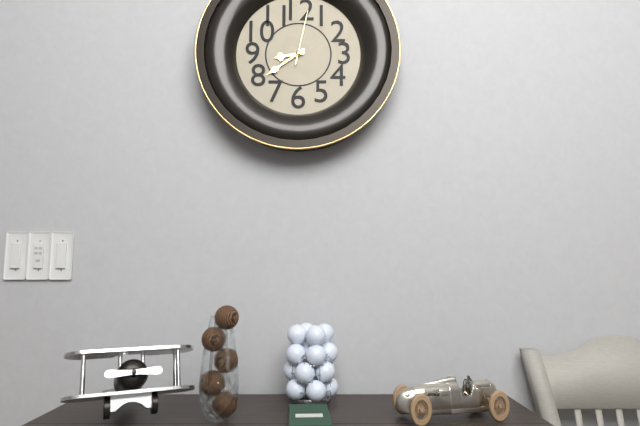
{"hour": 8, "minute": 39, "second": 2}
